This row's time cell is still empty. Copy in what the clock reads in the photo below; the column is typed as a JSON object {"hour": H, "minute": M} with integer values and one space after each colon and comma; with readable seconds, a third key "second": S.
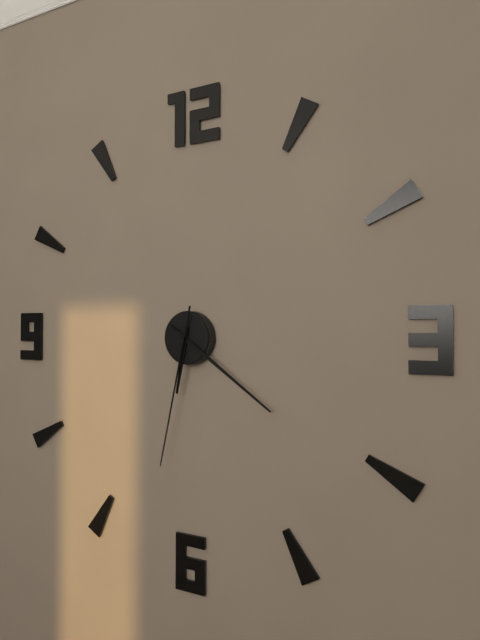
{"hour": 6, "minute": 21, "second": 32}
